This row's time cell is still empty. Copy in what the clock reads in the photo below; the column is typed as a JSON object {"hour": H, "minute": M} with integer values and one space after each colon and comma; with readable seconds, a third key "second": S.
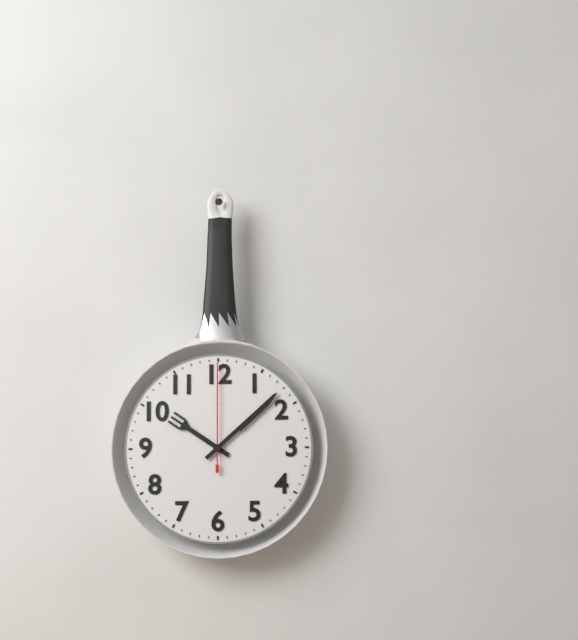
{"hour": 10, "minute": 8, "second": 0}
